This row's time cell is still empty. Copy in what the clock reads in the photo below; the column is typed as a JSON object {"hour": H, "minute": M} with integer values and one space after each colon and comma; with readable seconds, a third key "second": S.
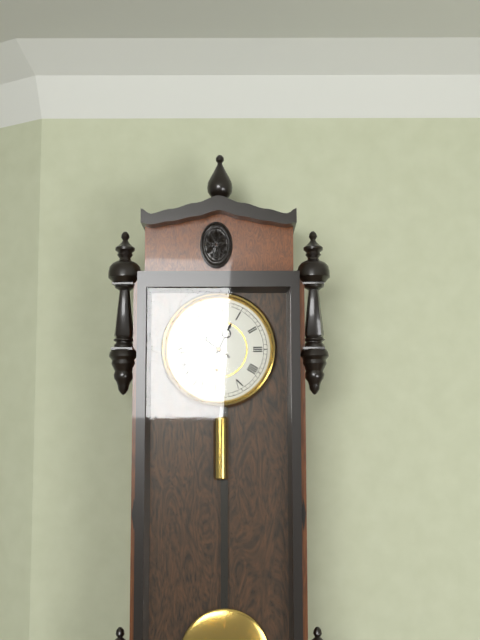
{"hour": 12, "minute": 51}
